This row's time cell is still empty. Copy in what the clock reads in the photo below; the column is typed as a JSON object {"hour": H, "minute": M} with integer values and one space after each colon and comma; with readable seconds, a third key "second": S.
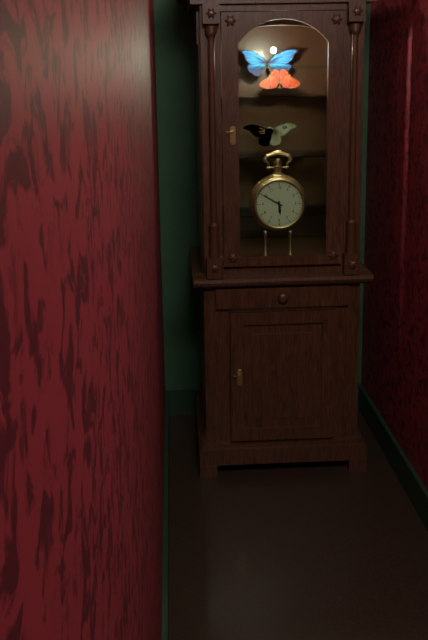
{"hour": 5, "minute": 50}
